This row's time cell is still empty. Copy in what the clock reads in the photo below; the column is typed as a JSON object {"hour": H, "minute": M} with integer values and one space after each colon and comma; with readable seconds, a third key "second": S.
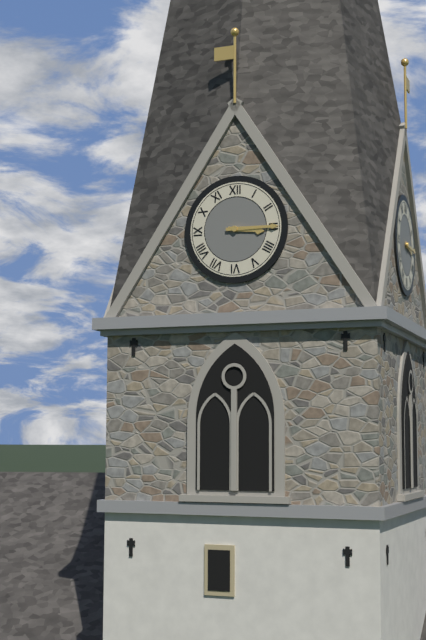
{"hour": 3, "minute": 15}
